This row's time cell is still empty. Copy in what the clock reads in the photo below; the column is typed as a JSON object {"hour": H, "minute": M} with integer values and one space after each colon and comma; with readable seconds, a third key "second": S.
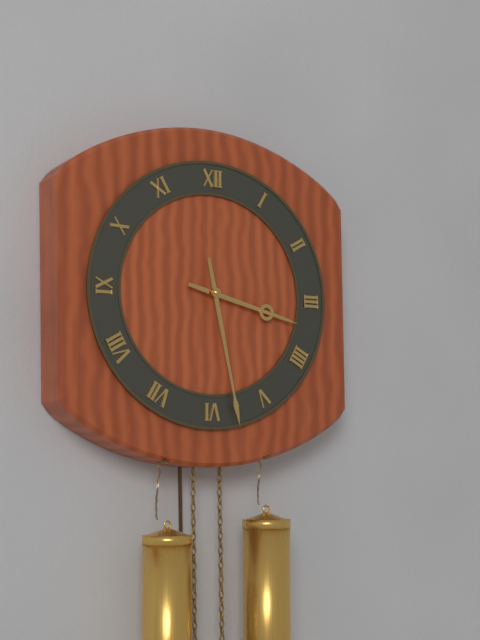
{"hour": 3, "minute": 28}
